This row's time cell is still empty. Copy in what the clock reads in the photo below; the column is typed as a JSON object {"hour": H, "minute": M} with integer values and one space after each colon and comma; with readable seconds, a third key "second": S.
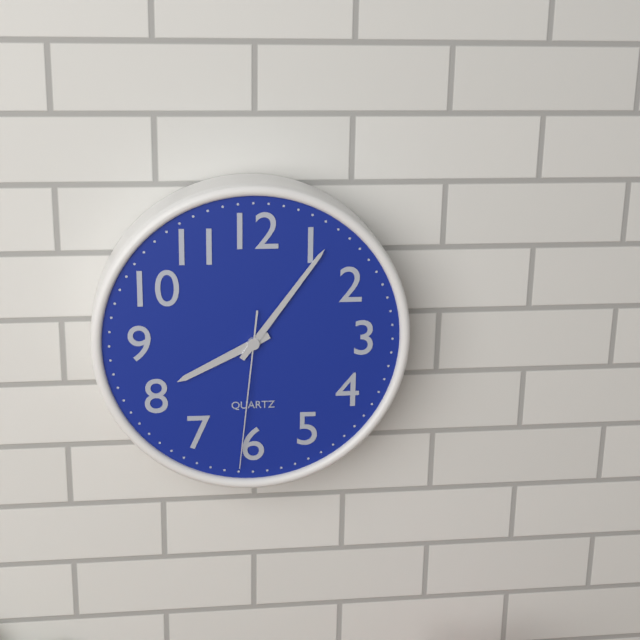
{"hour": 8, "minute": 6, "second": 31}
